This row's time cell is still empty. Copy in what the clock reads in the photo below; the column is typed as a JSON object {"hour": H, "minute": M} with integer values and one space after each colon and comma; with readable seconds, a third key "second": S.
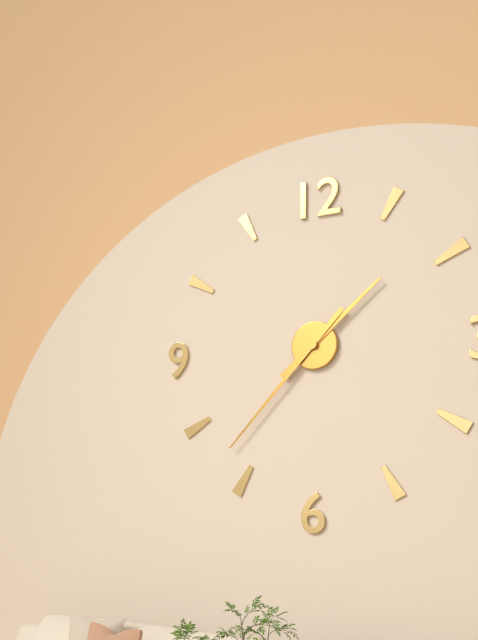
{"hour": 1, "minute": 37}
